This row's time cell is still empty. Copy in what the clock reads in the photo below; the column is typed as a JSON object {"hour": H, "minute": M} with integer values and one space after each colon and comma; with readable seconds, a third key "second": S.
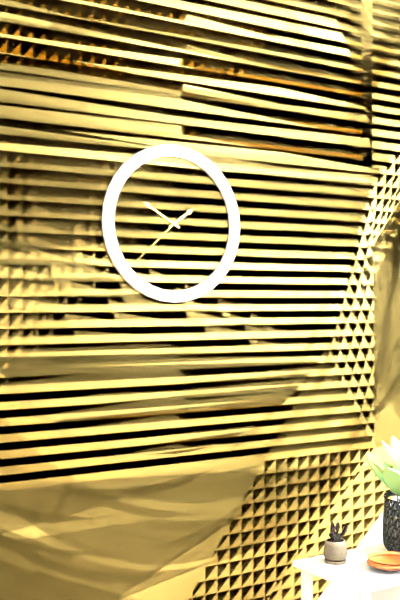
{"hour": 1, "minute": 50, "second": 38}
